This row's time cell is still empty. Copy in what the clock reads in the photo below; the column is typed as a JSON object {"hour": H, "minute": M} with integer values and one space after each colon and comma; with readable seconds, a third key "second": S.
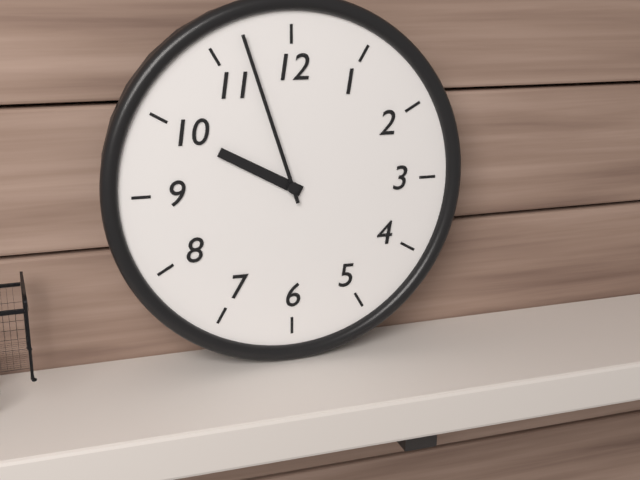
{"hour": 9, "minute": 57}
